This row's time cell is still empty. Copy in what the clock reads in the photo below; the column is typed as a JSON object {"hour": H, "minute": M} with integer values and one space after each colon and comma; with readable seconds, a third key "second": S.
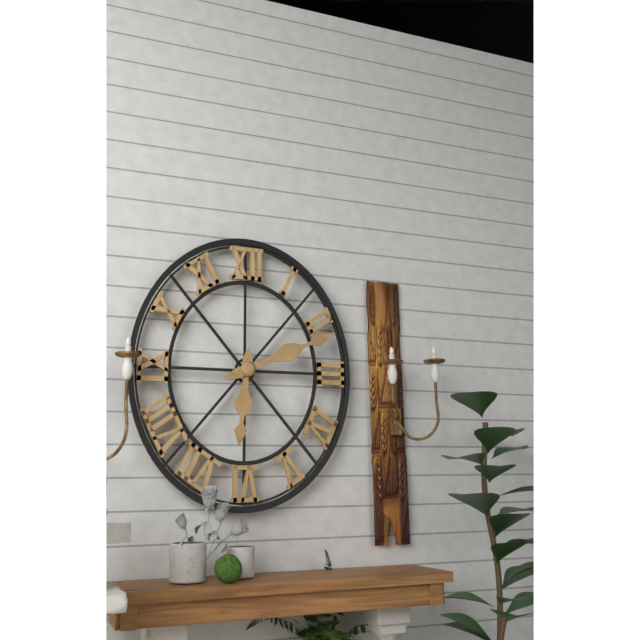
{"hour": 6, "minute": 11}
